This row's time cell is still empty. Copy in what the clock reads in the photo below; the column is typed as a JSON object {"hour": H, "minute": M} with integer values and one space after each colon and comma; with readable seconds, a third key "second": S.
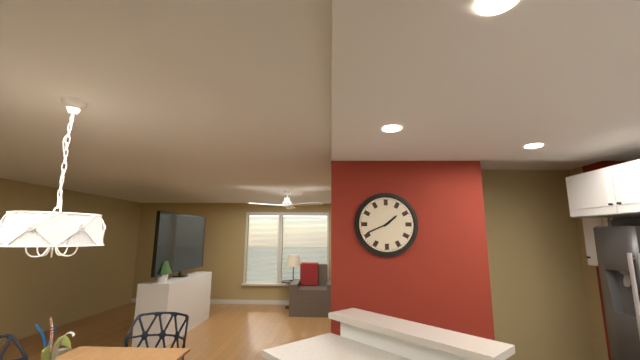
{"hour": 1, "minute": 41}
